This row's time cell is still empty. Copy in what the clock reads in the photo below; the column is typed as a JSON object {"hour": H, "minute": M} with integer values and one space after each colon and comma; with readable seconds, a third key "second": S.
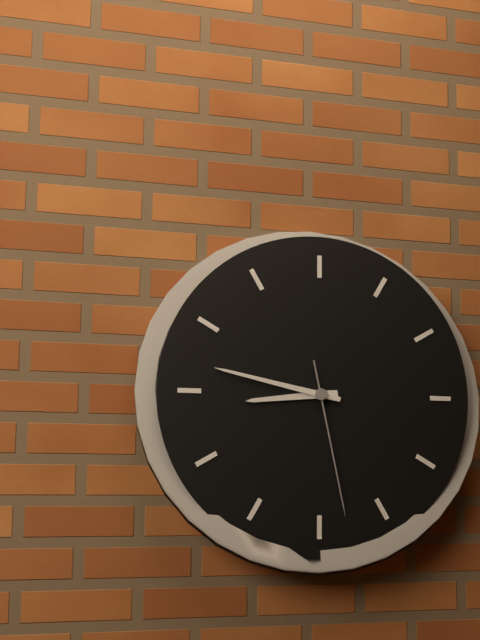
{"hour": 8, "minute": 47, "second": 28}
